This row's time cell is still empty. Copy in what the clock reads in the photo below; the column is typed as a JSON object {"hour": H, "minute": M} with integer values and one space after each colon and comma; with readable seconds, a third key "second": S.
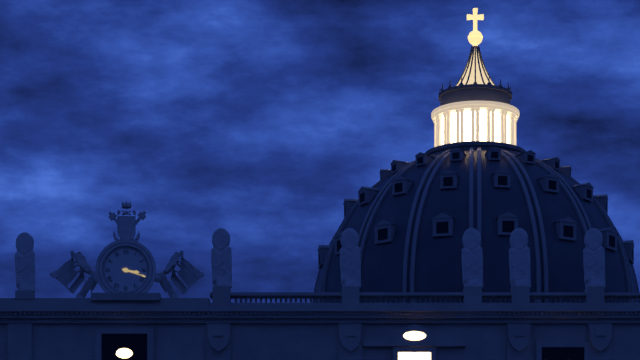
{"hour": 3, "minute": 18}
